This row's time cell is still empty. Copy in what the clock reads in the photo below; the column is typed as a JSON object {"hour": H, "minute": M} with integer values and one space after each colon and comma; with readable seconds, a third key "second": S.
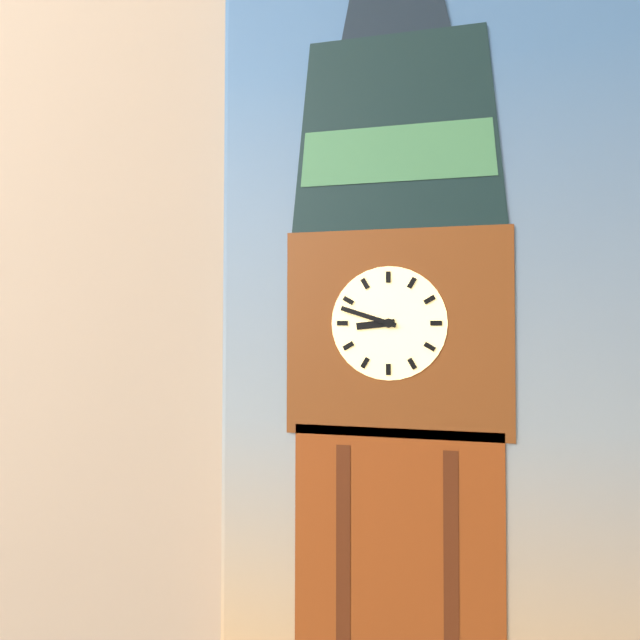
{"hour": 8, "minute": 48}
